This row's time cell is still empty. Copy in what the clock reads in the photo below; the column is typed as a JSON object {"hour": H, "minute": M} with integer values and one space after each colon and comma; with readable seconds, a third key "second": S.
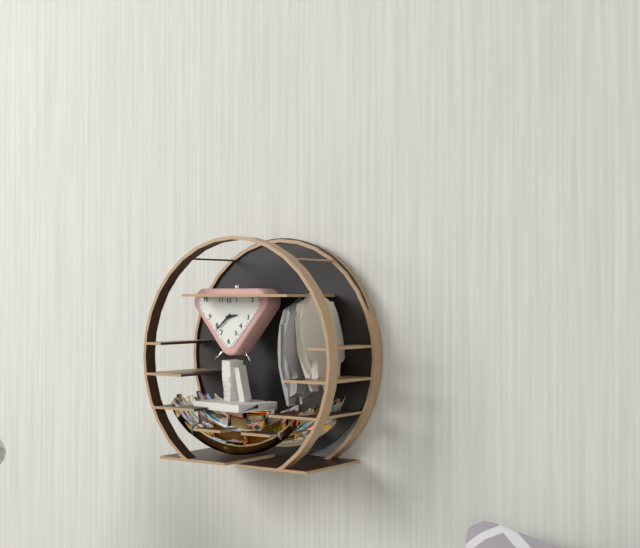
{"hour": 2, "minute": 38}
